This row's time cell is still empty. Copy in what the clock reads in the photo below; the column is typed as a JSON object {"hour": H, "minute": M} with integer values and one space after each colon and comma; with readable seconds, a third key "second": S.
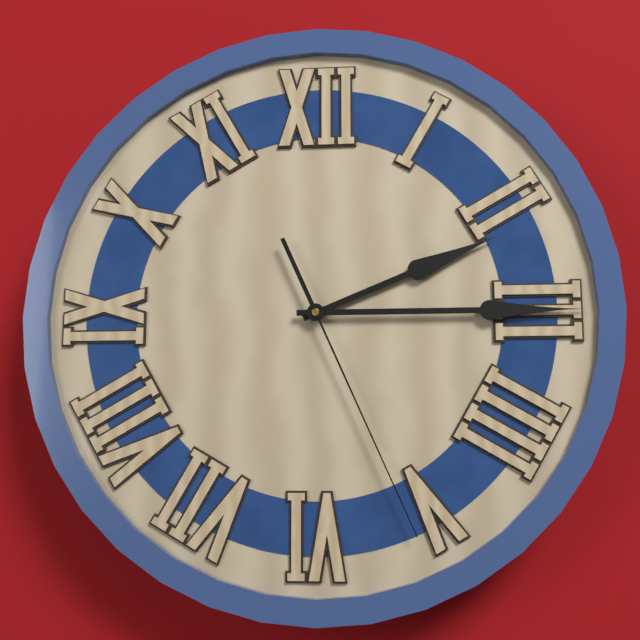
{"hour": 2, "minute": 15, "second": 26}
